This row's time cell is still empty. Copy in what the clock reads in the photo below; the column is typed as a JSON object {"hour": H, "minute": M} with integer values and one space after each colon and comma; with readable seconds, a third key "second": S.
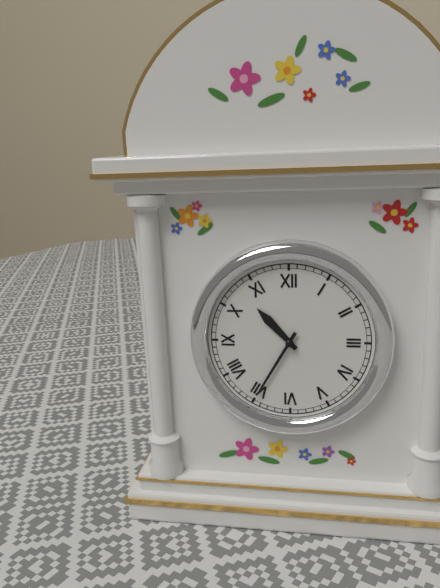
{"hour": 10, "minute": 35}
